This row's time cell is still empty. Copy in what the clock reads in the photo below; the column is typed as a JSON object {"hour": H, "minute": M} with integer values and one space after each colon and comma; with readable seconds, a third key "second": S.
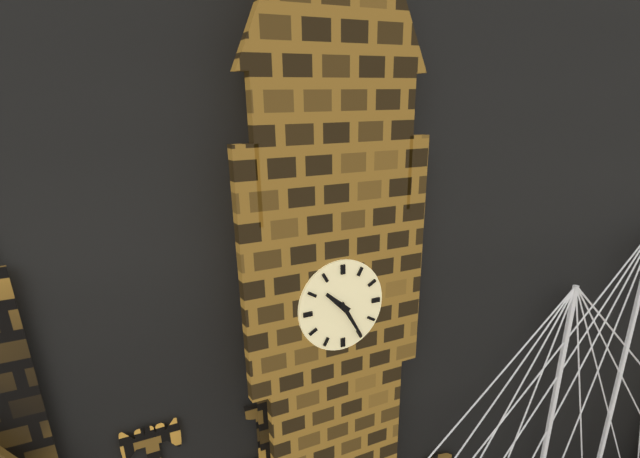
{"hour": 10, "minute": 25}
